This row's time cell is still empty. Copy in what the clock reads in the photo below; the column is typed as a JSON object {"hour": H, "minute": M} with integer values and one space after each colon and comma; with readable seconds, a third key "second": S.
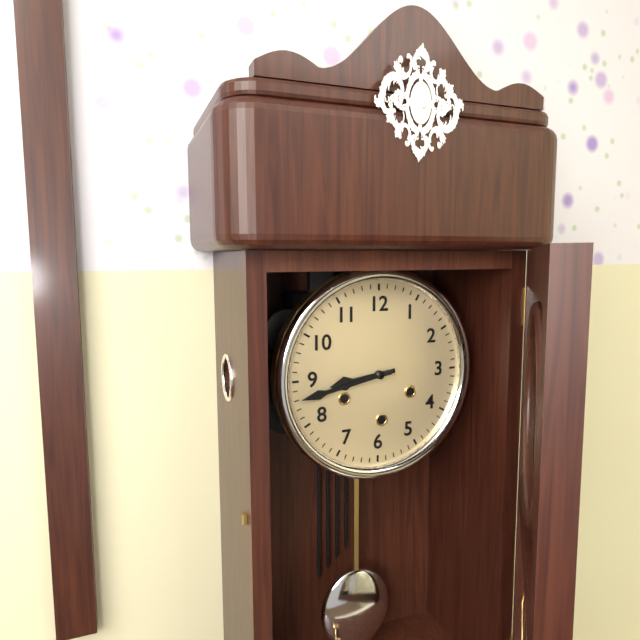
{"hour": 8, "minute": 43}
